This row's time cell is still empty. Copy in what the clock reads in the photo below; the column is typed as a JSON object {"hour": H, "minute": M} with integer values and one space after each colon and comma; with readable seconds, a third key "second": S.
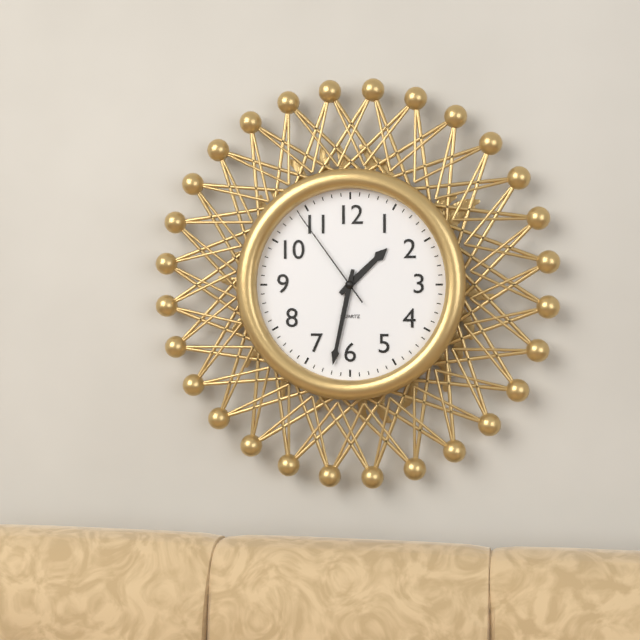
{"hour": 1, "minute": 32, "second": 54}
